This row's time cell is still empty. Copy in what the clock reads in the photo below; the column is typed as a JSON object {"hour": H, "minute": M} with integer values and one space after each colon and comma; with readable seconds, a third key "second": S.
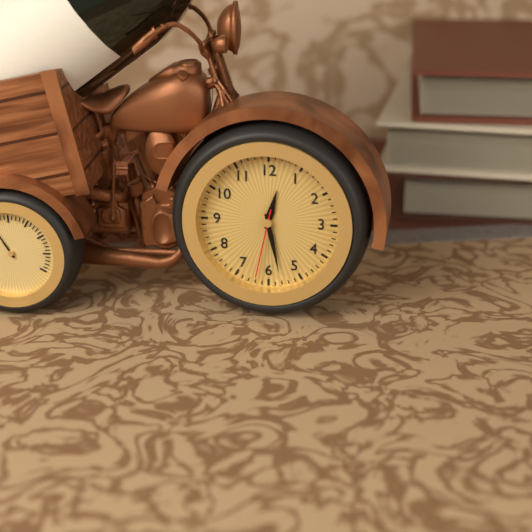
{"hour": 12, "minute": 28, "second": 32}
